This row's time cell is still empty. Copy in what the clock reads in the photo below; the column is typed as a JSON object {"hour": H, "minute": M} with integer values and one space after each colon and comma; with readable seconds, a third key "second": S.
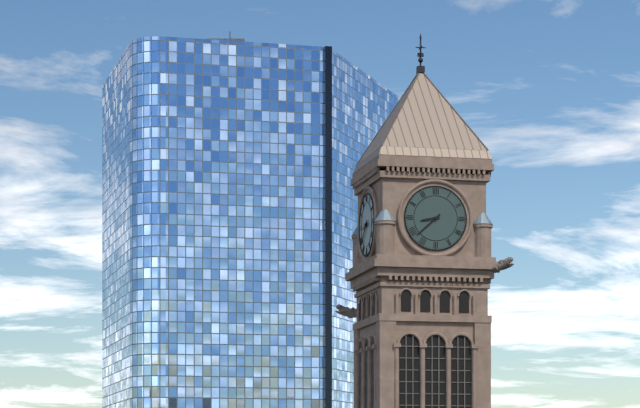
{"hour": 8, "minute": 38}
